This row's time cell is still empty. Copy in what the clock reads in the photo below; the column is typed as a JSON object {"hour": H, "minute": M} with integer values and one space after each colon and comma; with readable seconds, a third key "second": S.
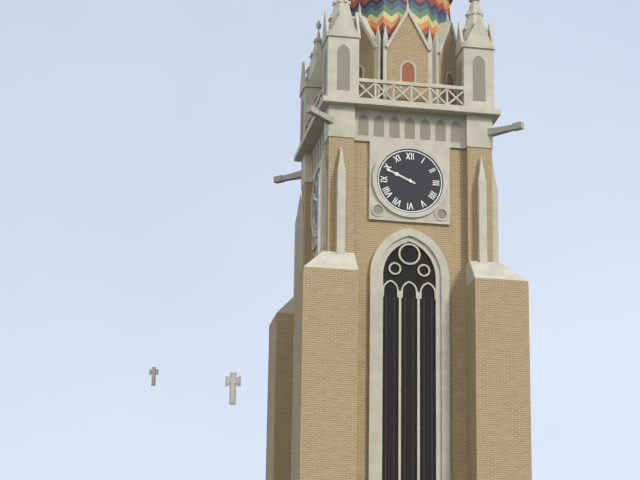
{"hour": 9, "minute": 49}
